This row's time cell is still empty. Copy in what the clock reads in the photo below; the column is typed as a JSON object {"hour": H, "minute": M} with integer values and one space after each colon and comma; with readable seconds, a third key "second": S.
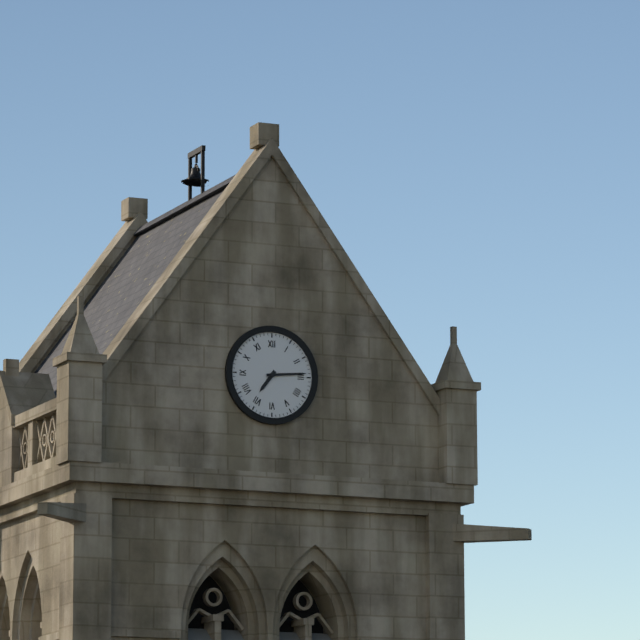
{"hour": 7, "minute": 14}
